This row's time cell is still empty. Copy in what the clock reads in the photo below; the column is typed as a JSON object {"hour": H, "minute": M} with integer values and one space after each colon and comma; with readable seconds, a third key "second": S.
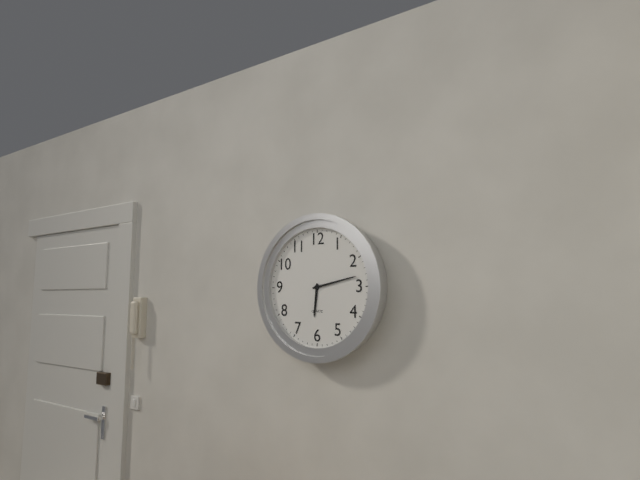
{"hour": 6, "minute": 13}
